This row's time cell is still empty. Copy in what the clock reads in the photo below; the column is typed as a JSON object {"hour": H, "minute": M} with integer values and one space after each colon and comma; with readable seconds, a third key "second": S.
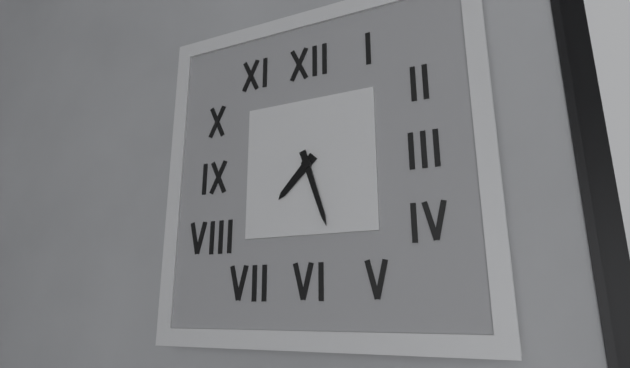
{"hour": 7, "minute": 27}
